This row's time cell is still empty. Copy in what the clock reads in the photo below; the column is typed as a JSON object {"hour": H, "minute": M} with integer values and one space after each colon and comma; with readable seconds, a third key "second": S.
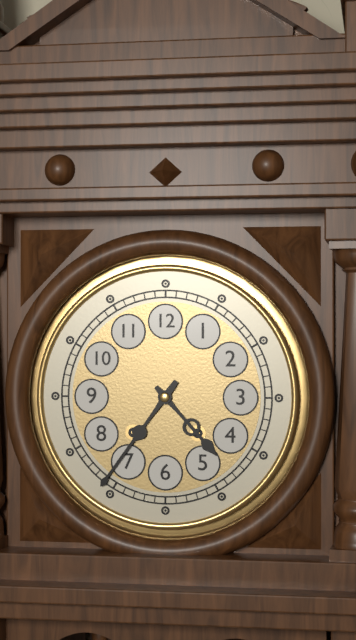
{"hour": 4, "minute": 36}
